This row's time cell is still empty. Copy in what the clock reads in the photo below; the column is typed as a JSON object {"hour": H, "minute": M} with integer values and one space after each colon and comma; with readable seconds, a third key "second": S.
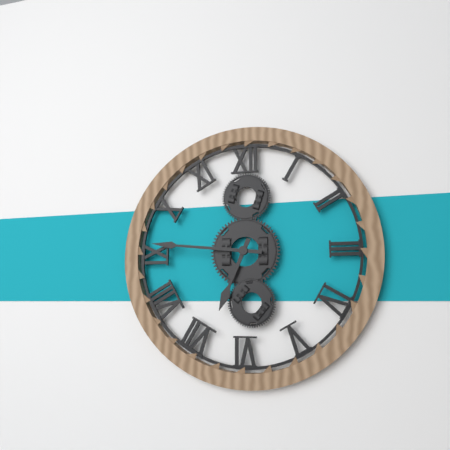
{"hour": 6, "minute": 46}
